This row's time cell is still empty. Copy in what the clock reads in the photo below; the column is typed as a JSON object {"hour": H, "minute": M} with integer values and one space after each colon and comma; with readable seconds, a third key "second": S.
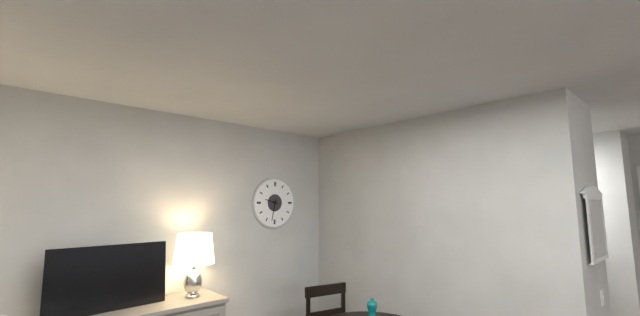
{"hour": 9, "minute": 32}
